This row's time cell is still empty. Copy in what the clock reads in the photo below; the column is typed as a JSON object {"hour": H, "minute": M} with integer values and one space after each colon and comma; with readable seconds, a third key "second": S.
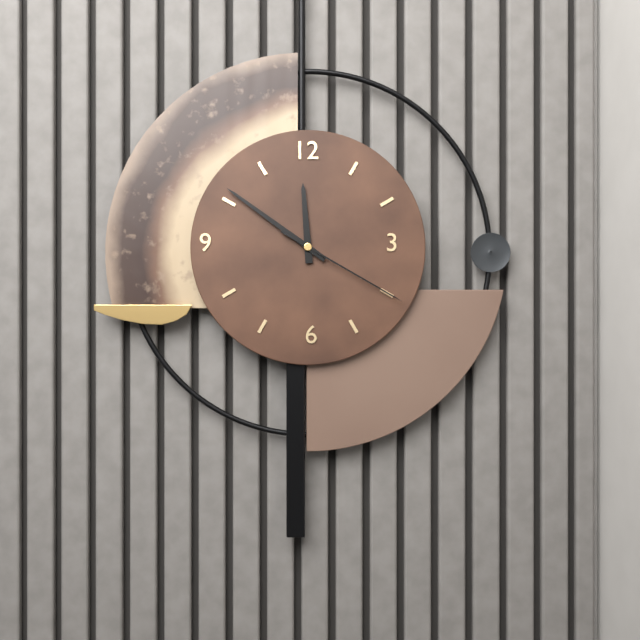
{"hour": 11, "minute": 51, "second": 20}
